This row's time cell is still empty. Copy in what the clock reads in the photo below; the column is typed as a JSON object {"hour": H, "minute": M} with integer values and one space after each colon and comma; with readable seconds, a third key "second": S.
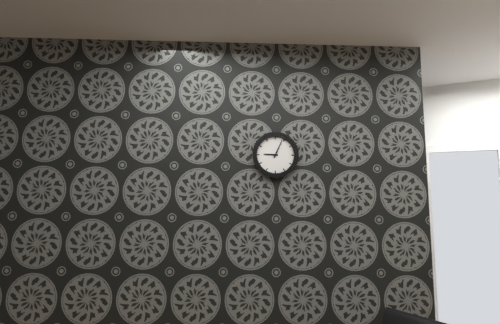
{"hour": 9, "minute": 4}
